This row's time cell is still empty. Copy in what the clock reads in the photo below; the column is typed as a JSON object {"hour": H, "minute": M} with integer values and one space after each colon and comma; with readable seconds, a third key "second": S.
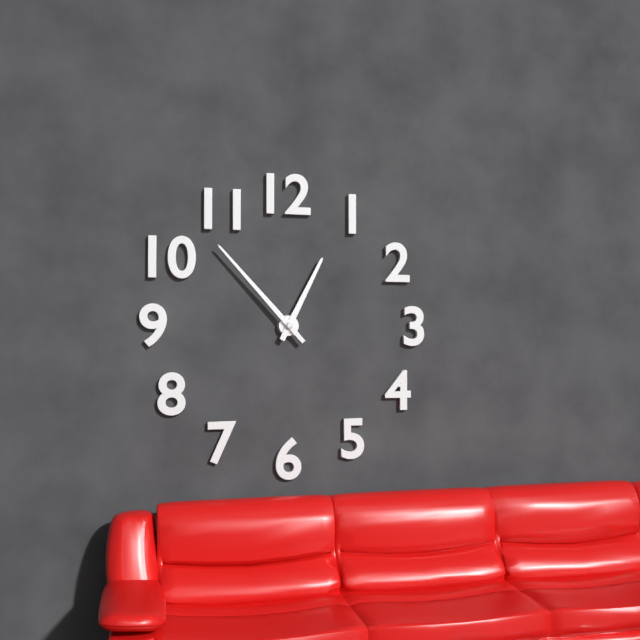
{"hour": 12, "minute": 53}
